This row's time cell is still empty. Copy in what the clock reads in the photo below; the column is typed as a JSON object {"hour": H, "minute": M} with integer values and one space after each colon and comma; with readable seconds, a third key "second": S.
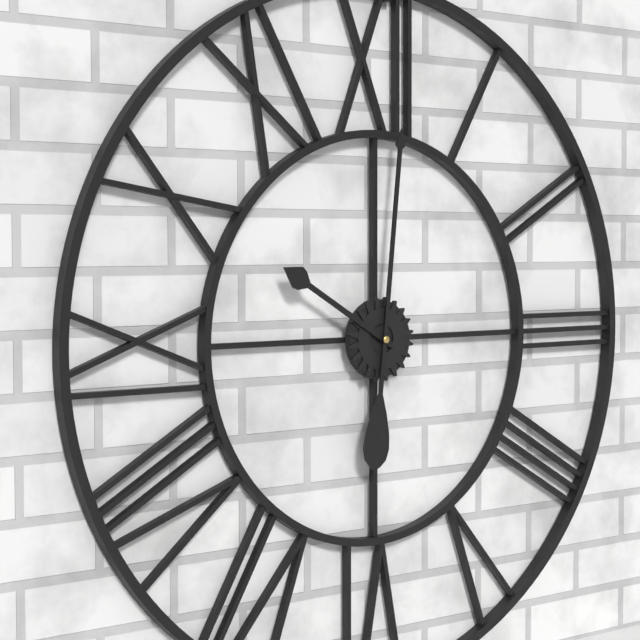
{"hour": 10, "minute": 1}
